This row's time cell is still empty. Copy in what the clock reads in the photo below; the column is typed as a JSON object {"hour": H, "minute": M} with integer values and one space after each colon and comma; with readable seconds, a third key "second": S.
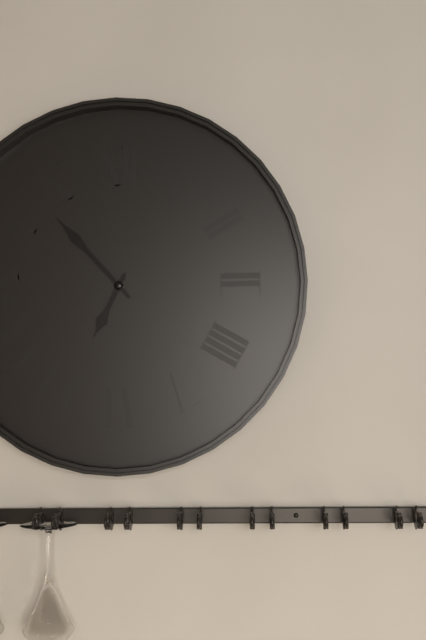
{"hour": 6, "minute": 53}
